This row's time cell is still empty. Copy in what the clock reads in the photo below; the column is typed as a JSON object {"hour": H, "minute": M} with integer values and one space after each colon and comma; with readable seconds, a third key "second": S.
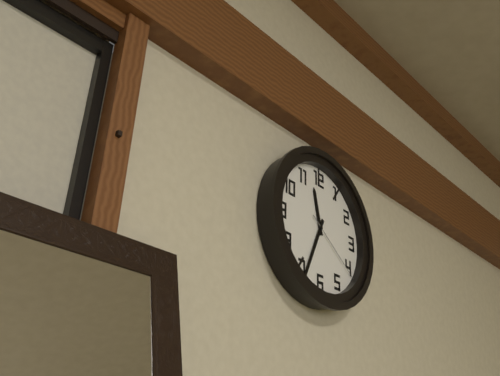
{"hour": 11, "minute": 34, "second": 21}
